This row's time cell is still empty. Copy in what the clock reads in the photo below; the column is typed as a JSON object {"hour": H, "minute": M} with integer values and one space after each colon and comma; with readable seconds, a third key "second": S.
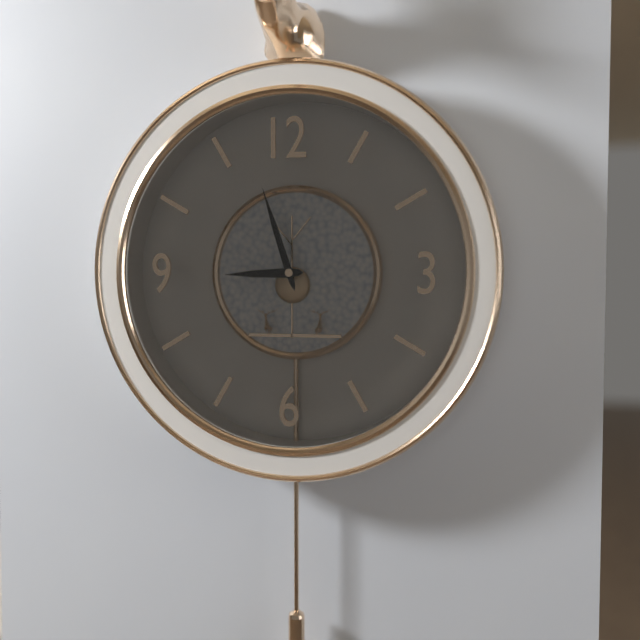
{"hour": 8, "minute": 57}
